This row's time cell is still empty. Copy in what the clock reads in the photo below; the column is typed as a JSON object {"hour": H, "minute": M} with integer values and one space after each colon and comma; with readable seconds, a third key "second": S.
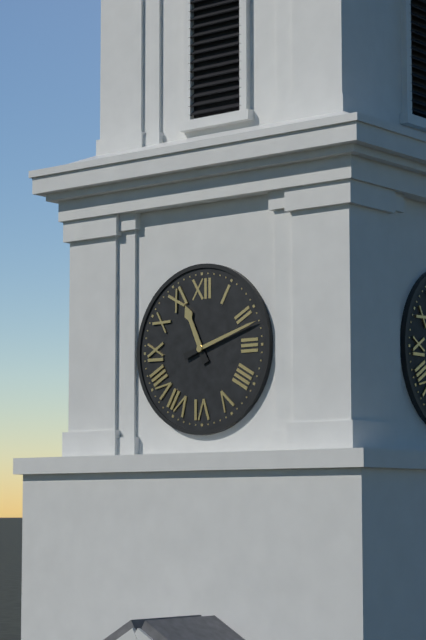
{"hour": 11, "minute": 12}
